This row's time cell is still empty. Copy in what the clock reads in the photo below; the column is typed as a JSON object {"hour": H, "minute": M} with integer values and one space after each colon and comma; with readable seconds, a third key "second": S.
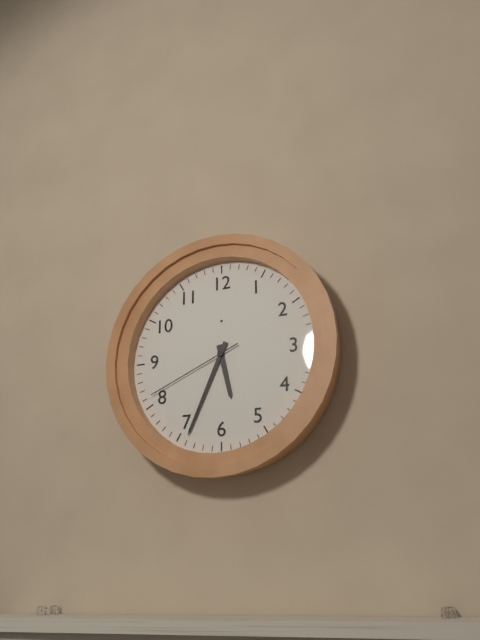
{"hour": 5, "minute": 34, "second": 41}
